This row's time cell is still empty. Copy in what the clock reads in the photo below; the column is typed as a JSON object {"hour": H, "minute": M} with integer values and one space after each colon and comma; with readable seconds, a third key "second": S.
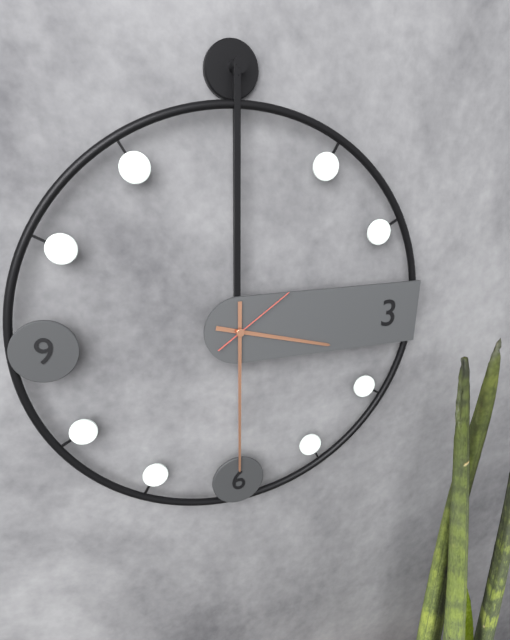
{"hour": 3, "minute": 30, "second": 9}
